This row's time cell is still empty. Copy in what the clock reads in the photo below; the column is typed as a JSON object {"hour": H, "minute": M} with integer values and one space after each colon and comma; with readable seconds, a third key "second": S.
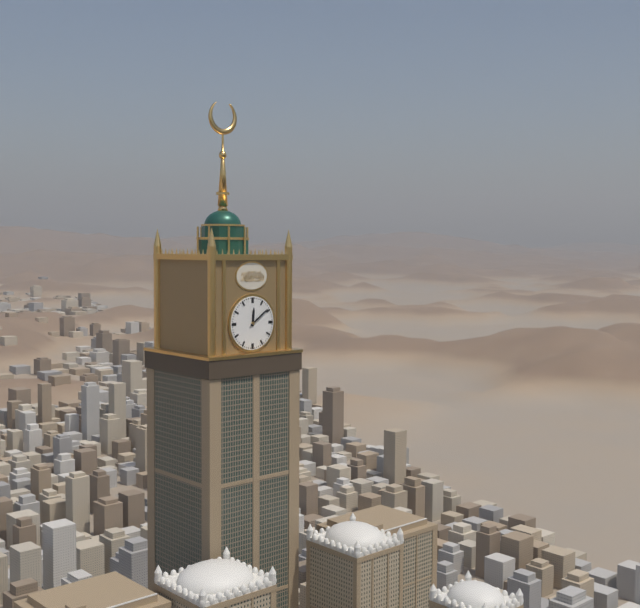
{"hour": 12, "minute": 9}
